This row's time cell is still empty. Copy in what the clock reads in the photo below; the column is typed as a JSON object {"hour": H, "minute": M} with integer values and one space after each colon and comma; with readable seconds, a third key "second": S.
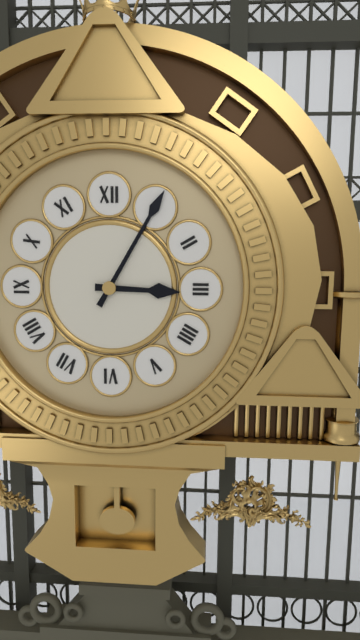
{"hour": 3, "minute": 5}
